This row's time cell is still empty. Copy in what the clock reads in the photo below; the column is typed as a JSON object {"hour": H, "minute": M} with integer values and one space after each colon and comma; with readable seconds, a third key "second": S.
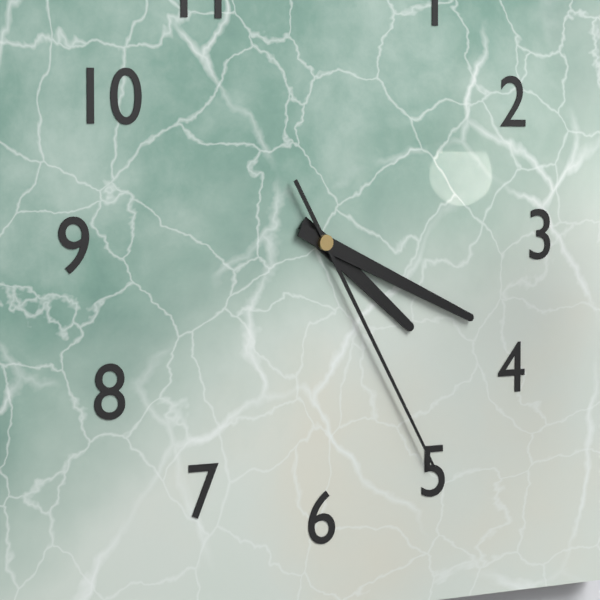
{"hour": 4, "minute": 19, "second": 25}
